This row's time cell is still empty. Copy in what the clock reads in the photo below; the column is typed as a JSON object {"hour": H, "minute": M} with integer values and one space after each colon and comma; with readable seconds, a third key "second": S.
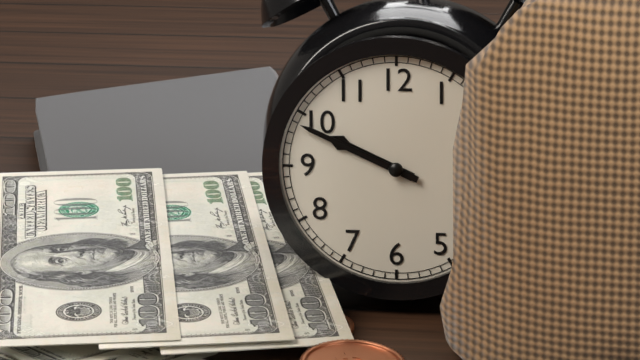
{"hour": 9, "minute": 49}
